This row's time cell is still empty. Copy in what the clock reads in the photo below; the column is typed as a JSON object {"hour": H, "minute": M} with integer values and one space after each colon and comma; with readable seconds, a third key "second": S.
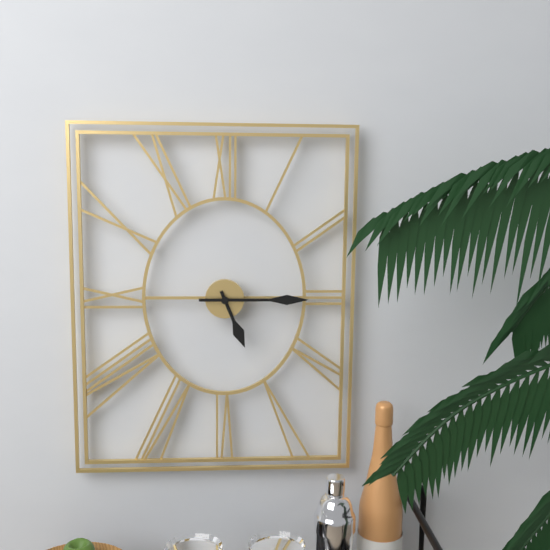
{"hour": 5, "minute": 15}
